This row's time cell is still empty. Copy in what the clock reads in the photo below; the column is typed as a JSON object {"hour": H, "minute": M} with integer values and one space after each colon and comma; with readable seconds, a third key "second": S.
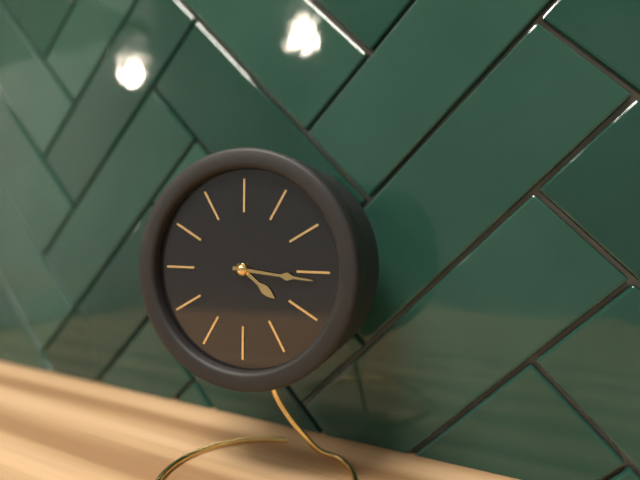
{"hour": 4, "minute": 16}
